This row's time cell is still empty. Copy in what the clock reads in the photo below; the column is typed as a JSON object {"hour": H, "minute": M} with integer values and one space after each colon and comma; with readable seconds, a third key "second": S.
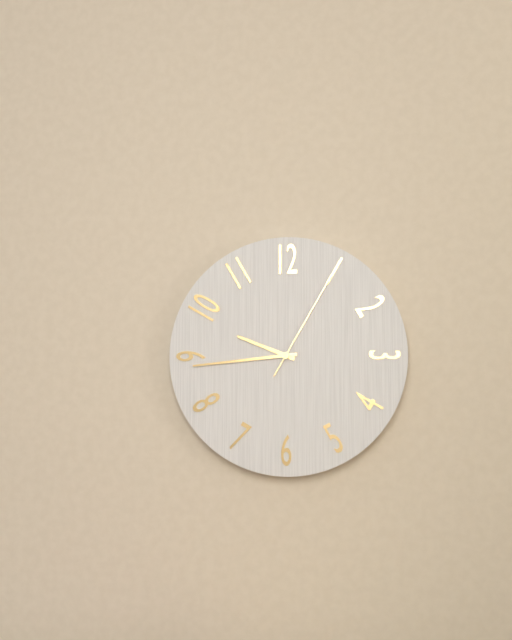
{"hour": 9, "minute": 44, "second": 5}
